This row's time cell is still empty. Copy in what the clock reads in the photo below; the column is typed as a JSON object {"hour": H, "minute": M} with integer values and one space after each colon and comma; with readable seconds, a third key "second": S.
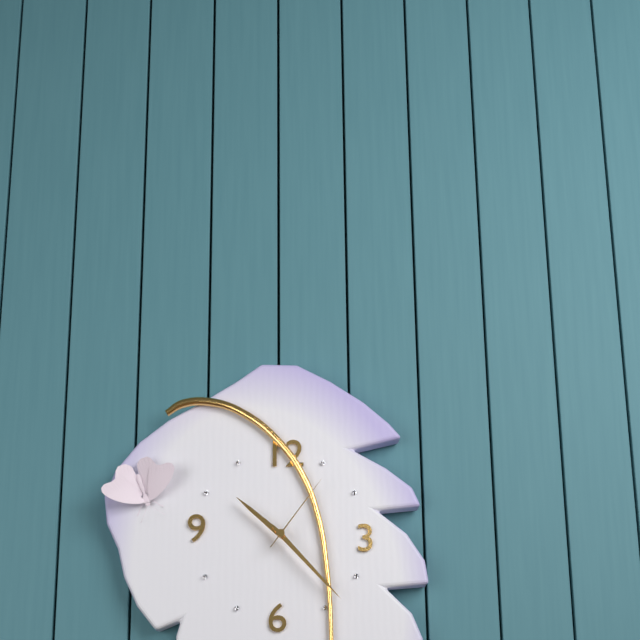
{"hour": 10, "minute": 23, "second": 6}
